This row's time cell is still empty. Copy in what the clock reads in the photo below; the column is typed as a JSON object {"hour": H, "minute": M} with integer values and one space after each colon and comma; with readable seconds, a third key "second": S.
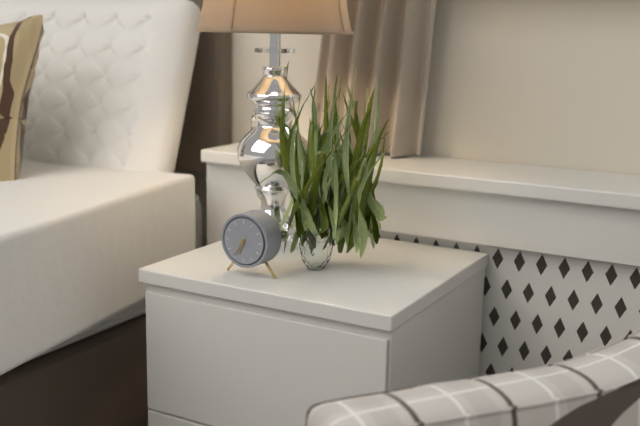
{"hour": 6, "minute": 36}
